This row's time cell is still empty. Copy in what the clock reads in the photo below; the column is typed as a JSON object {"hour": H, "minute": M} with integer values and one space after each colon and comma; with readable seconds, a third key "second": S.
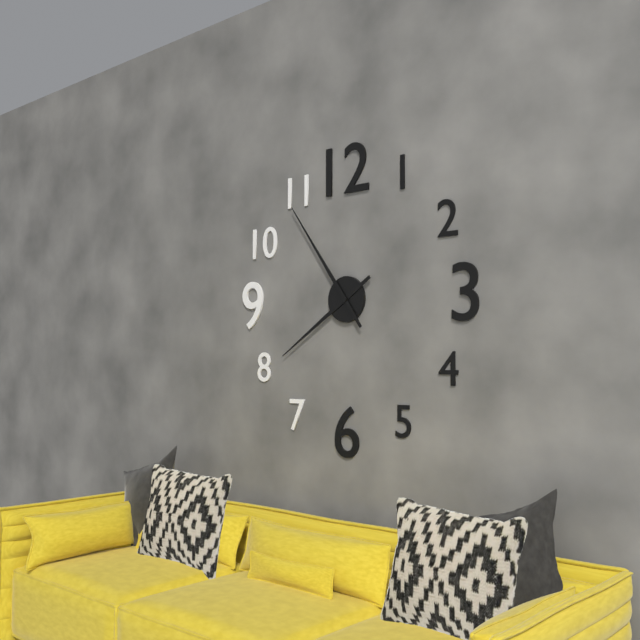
{"hour": 7, "minute": 54}
